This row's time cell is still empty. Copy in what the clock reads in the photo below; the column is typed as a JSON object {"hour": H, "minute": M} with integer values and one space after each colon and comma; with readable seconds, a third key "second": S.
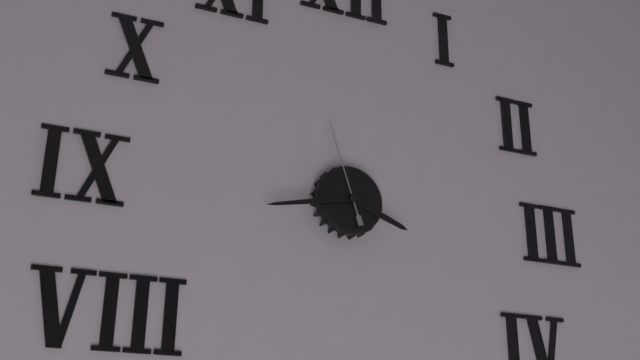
{"hour": 3, "minute": 43, "second": 57}
